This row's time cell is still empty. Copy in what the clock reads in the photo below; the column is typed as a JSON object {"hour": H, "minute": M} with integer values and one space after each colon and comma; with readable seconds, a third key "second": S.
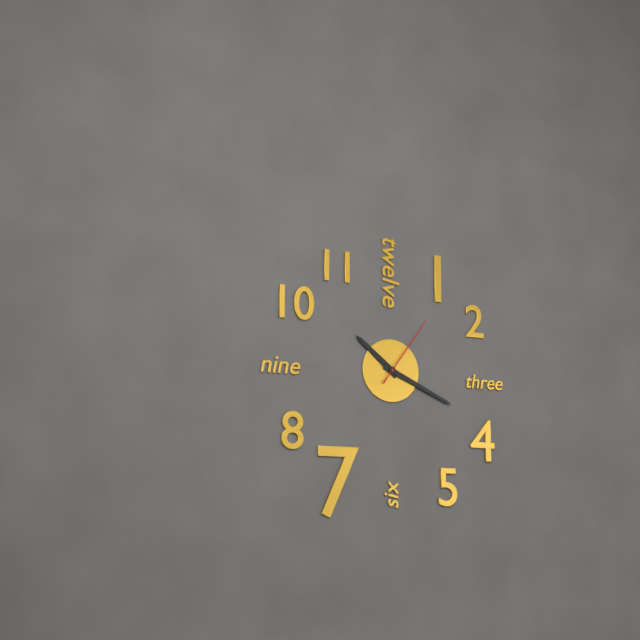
{"hour": 10, "minute": 19, "second": 6}
